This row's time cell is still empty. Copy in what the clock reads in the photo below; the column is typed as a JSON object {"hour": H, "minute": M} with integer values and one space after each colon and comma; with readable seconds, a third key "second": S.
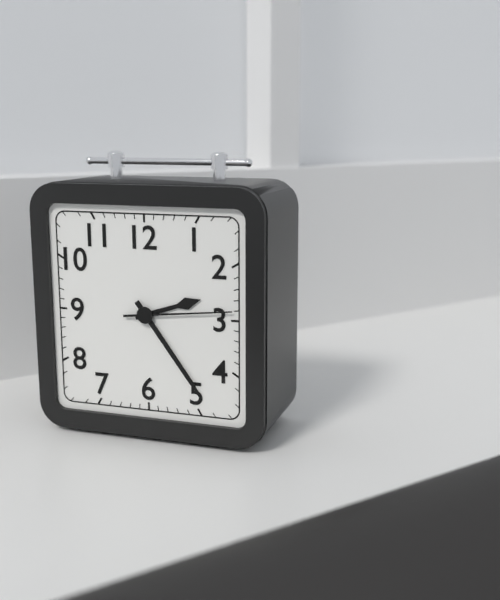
{"hour": 2, "minute": 24, "second": 14}
